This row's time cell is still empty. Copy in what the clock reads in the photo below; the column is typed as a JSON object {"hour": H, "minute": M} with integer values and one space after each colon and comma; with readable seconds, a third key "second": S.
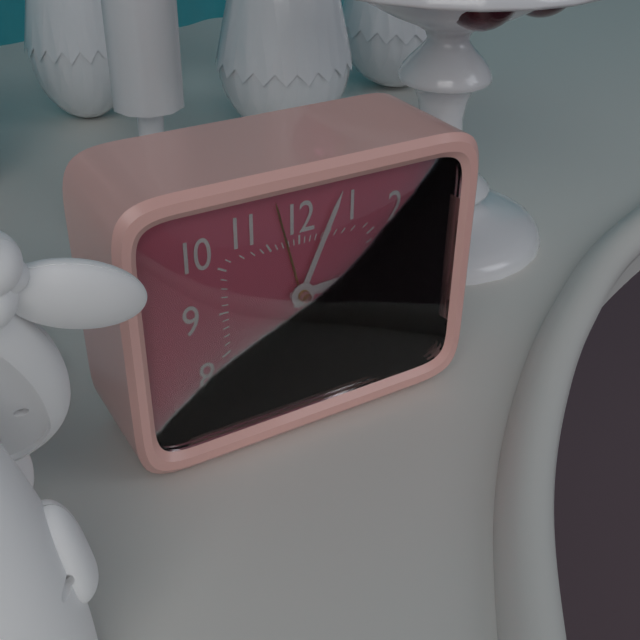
{"hour": 3, "minute": 4}
